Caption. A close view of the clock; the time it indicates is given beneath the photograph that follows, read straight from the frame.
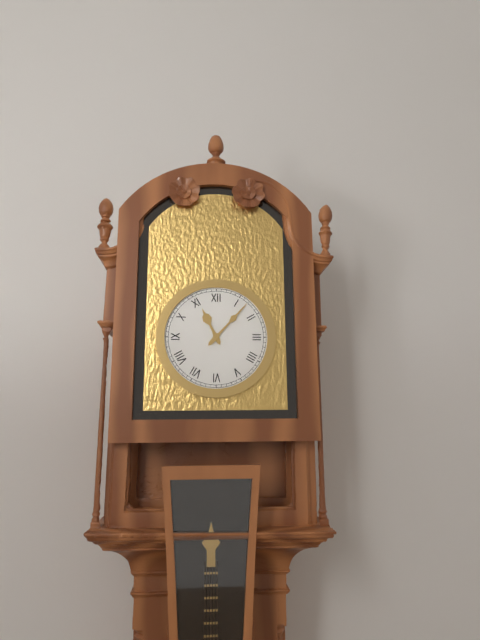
11:07
